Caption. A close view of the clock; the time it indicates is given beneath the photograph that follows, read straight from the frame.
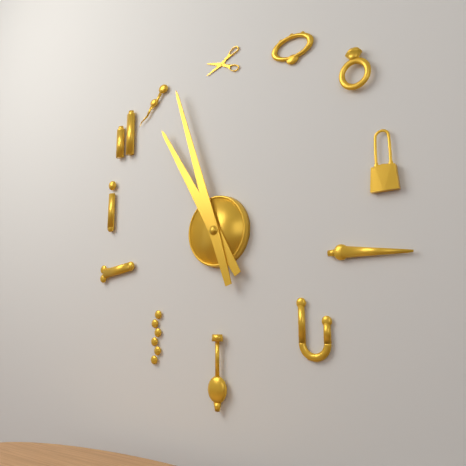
10:57
